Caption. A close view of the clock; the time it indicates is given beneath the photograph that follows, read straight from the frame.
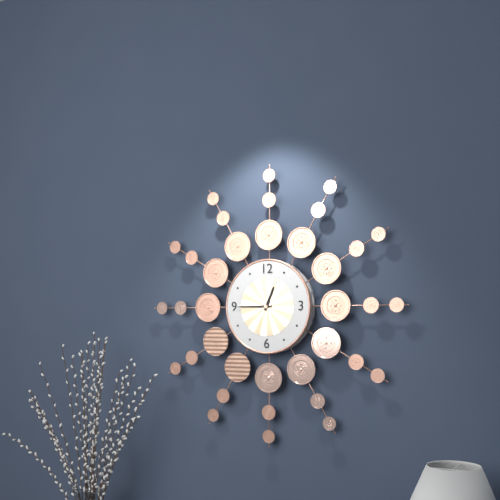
12:45
